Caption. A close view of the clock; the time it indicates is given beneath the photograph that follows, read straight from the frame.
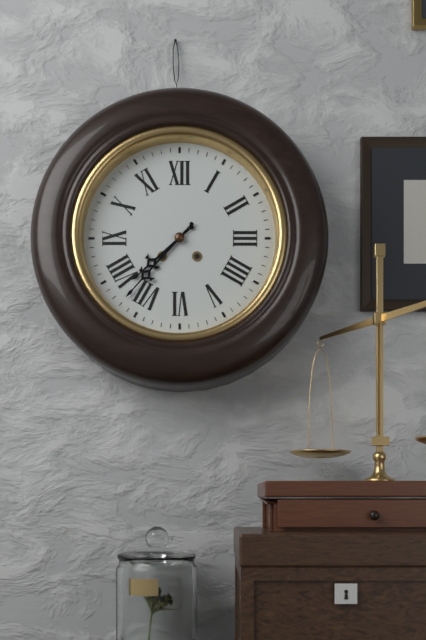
7:37
